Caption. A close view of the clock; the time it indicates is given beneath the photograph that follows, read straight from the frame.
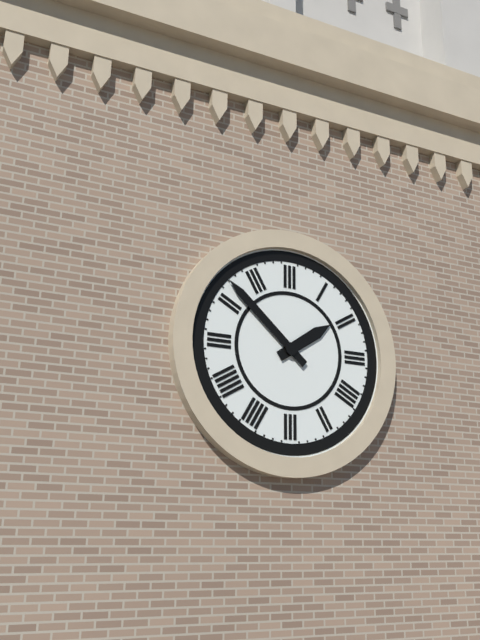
1:52
